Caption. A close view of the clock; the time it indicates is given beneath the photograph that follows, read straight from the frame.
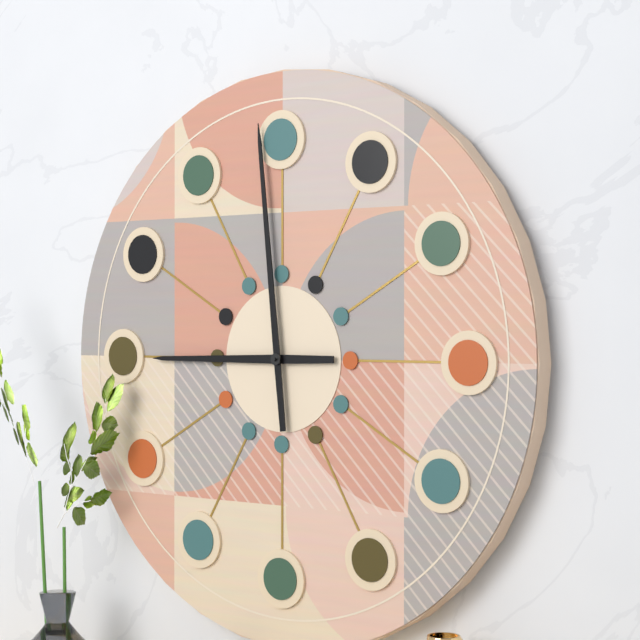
8:59
